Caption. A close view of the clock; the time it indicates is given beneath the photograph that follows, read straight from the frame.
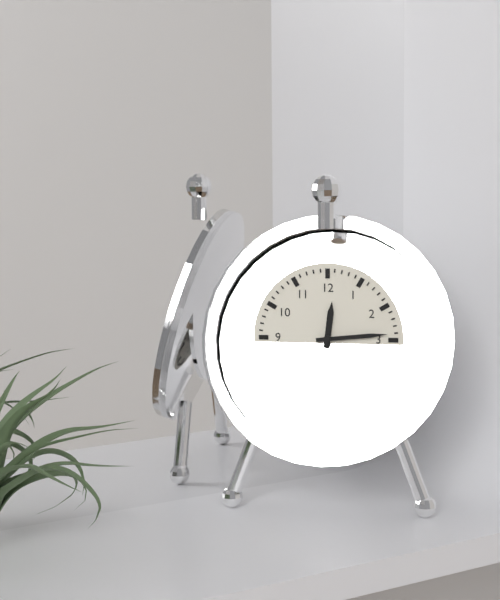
12:14
